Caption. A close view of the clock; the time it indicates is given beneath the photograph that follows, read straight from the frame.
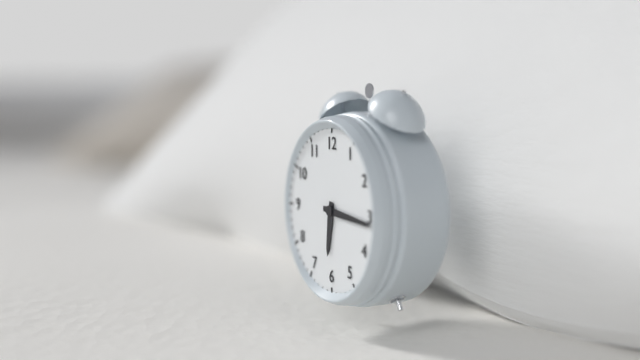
6:16
